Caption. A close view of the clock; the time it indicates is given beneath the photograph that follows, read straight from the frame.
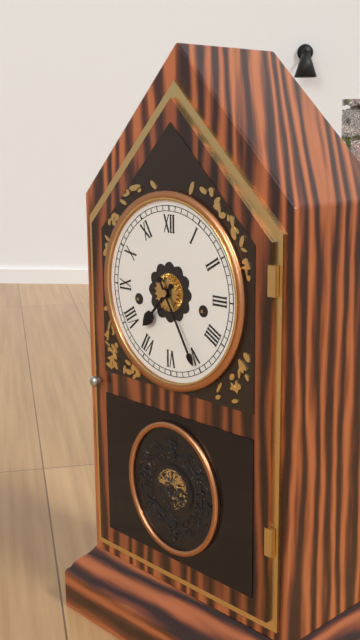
7:25
